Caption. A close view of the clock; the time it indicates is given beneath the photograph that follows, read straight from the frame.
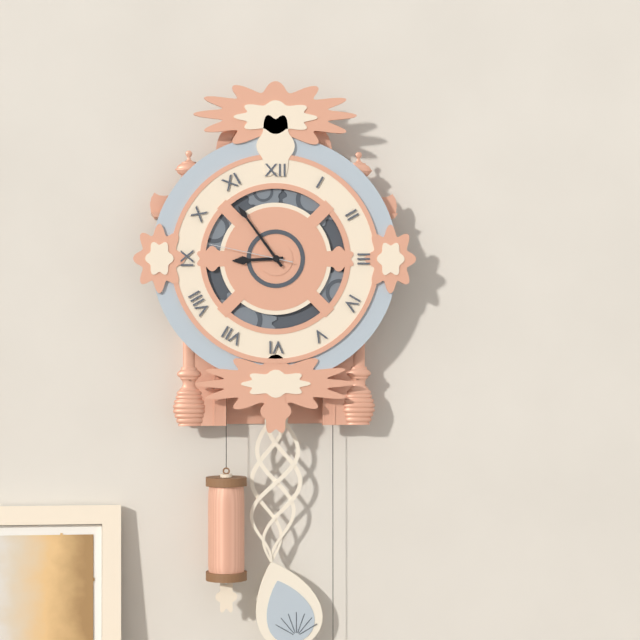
8:54:47
